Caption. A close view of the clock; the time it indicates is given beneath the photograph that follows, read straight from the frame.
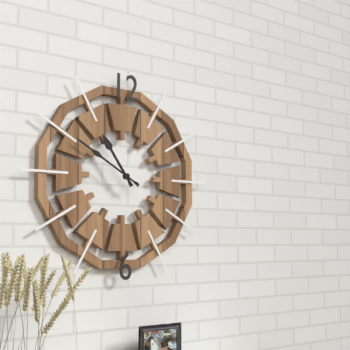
10:50
